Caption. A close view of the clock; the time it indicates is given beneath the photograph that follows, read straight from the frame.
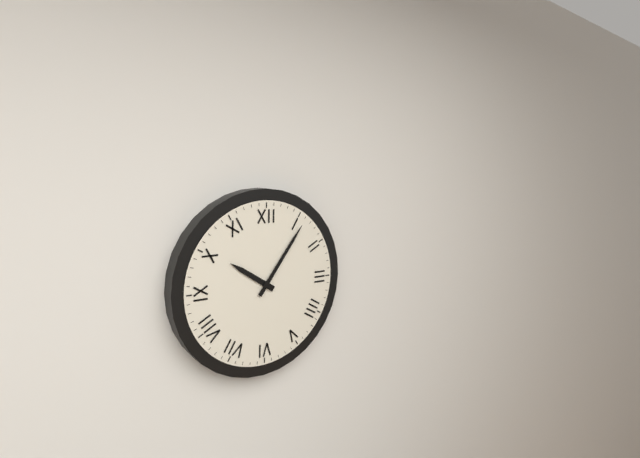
10:06
